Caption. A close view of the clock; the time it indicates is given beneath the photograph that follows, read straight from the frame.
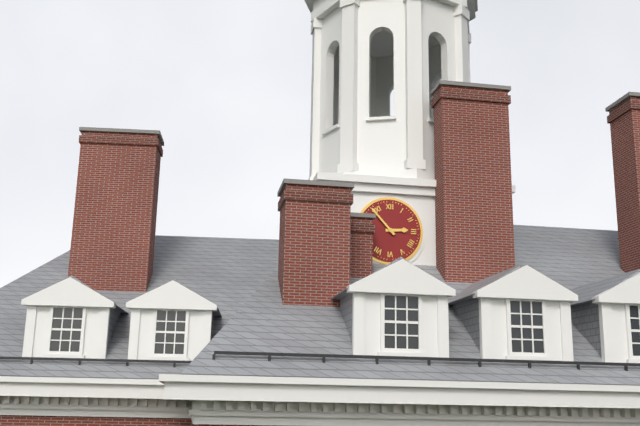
2:53
